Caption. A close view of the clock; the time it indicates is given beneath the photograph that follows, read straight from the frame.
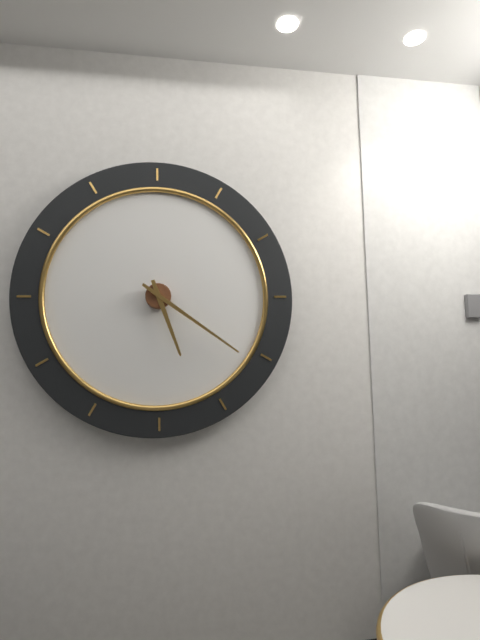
5:21
